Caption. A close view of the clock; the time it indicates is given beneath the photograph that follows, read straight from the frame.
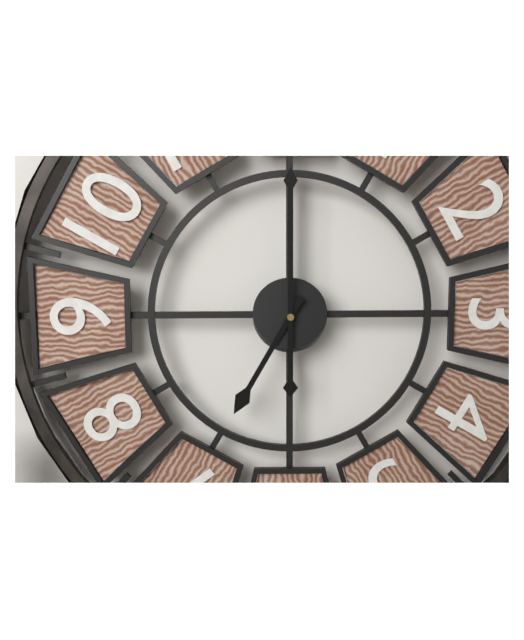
7:00
